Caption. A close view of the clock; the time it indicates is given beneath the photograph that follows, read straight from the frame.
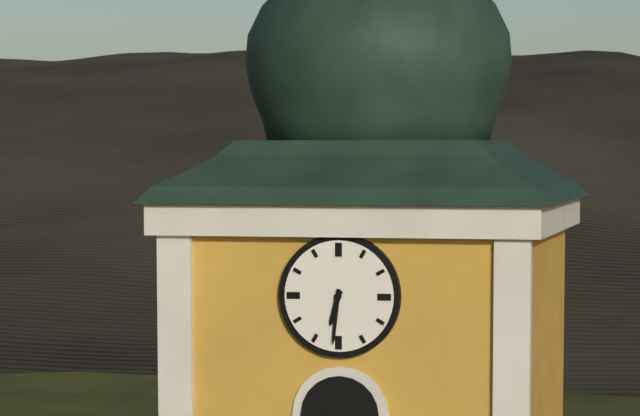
6:31
